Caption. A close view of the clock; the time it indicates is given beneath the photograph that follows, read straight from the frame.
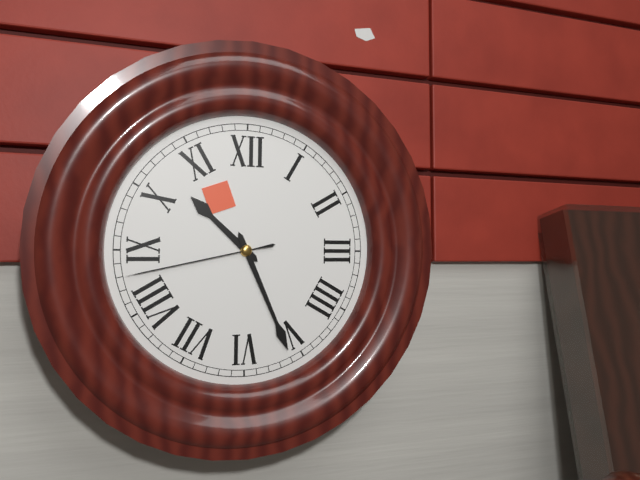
10:26:43
